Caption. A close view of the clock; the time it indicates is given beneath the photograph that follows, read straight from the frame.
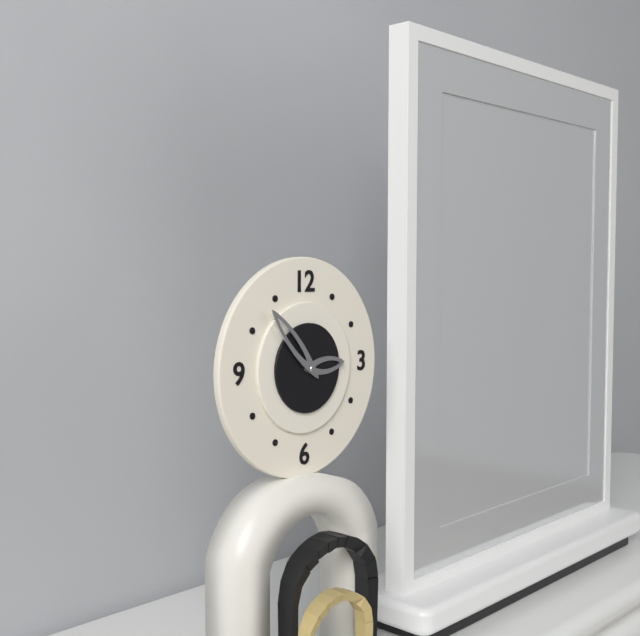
2:53
